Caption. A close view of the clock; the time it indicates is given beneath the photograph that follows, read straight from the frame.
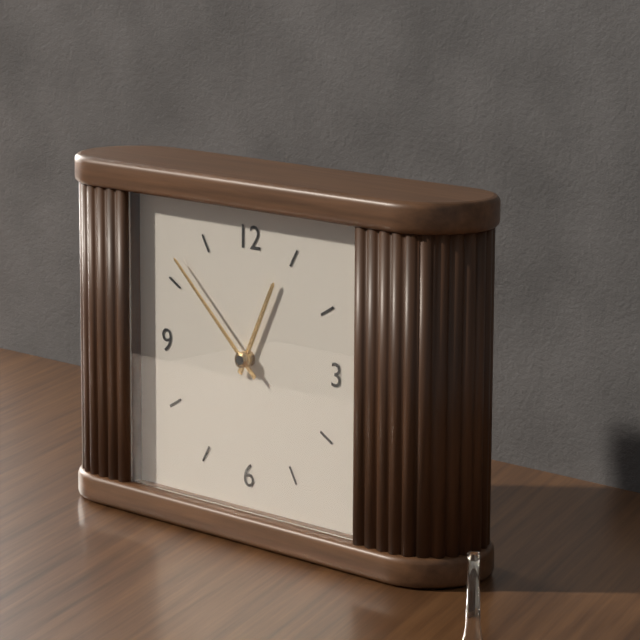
12:52
